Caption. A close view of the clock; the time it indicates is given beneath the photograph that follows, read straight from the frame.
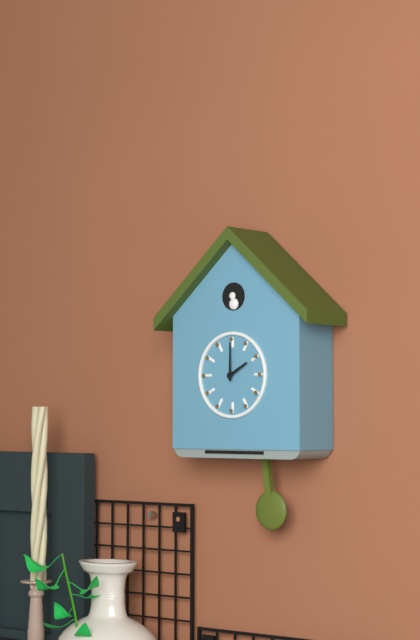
2:00
